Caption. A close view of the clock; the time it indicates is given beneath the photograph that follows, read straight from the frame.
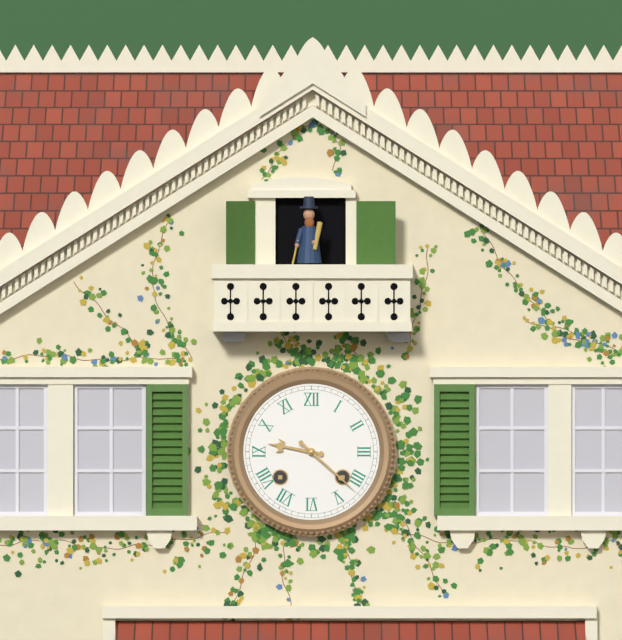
9:22
